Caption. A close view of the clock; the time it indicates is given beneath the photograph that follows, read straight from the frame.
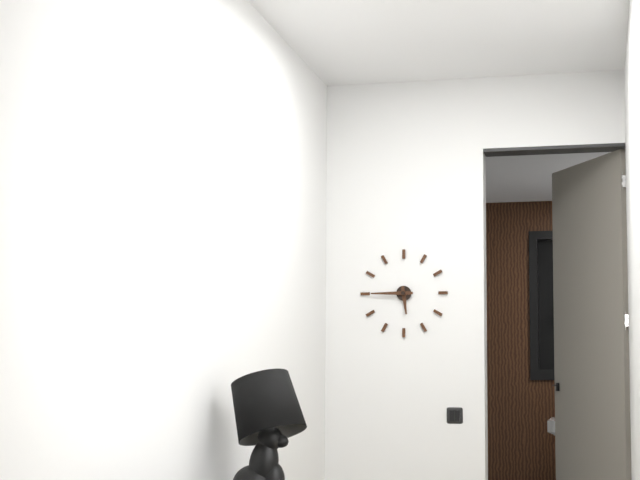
5:45
